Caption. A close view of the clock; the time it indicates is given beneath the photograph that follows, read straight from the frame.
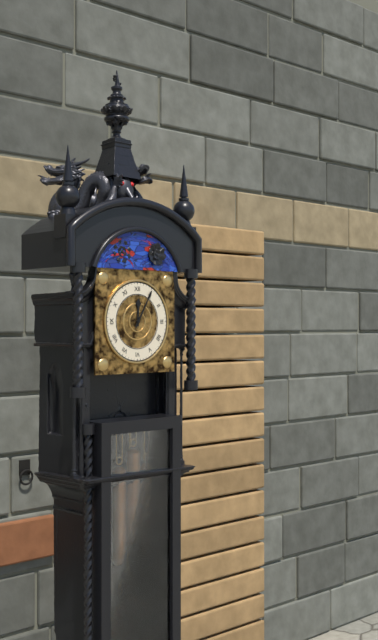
12:05
